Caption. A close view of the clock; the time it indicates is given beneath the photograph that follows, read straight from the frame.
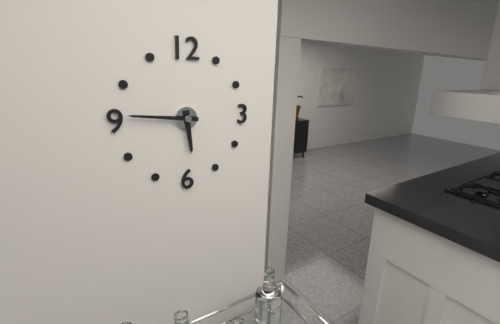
5:46
